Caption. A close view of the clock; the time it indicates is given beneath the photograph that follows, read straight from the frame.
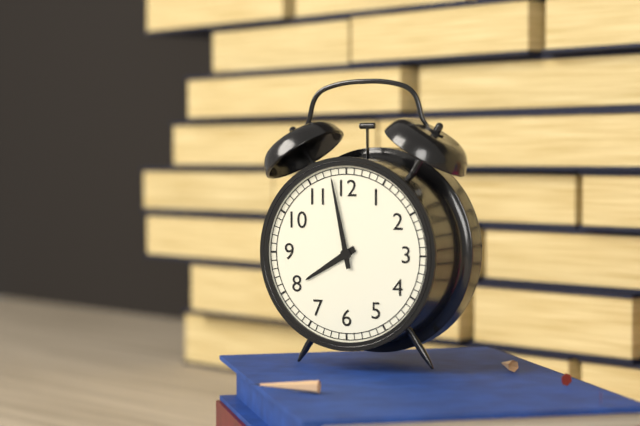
7:58
